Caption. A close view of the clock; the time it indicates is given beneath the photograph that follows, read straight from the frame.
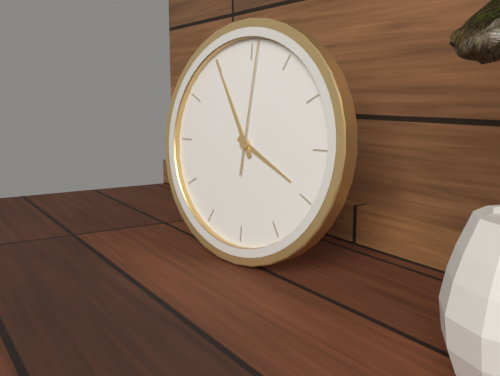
3:55:01
